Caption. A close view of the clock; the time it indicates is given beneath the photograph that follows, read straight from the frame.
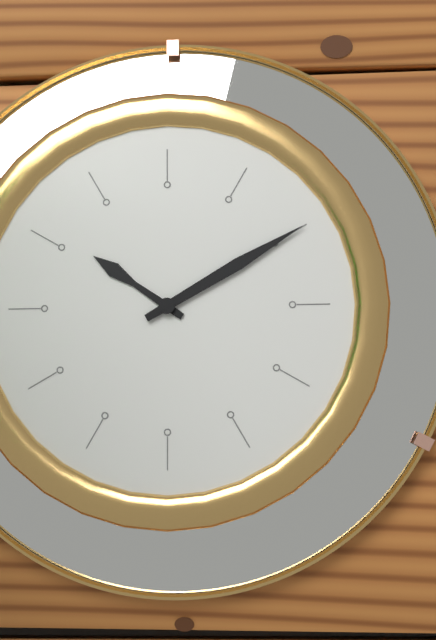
10:10
